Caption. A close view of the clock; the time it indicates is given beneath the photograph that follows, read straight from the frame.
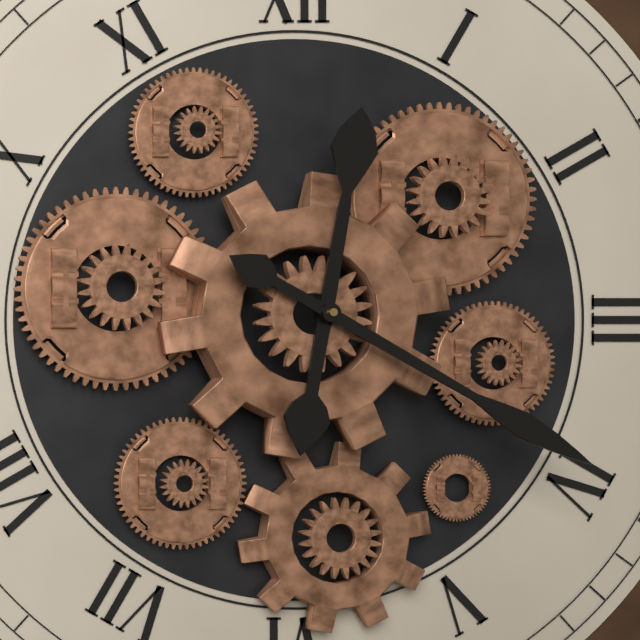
12:20
